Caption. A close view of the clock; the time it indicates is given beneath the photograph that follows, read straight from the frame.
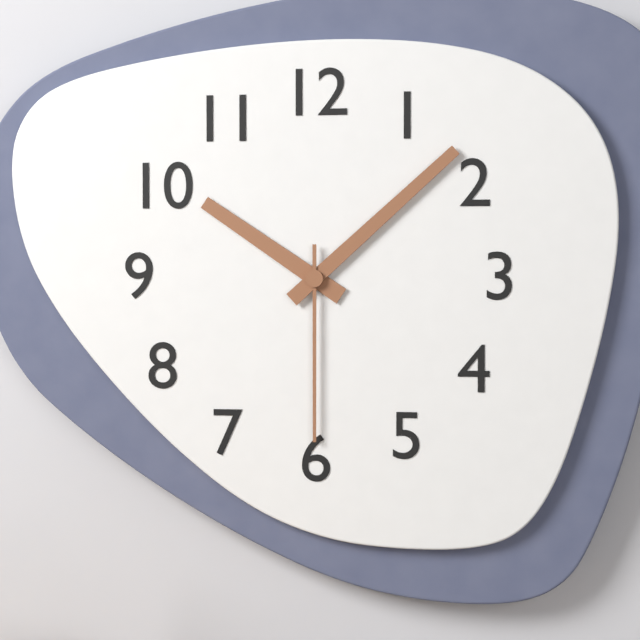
10:08:30
